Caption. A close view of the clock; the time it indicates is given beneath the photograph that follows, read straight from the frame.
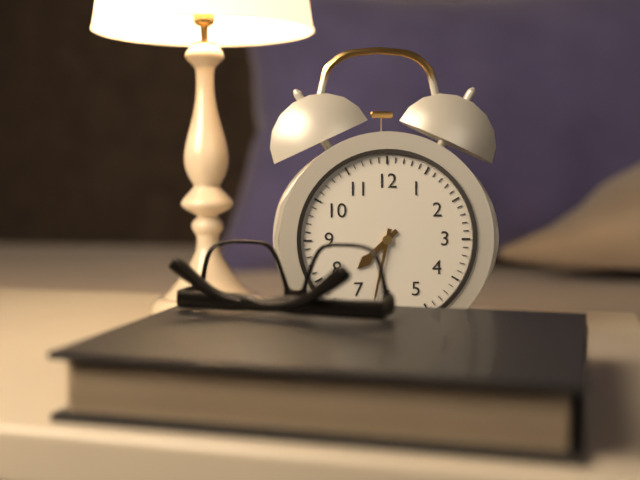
7:32
